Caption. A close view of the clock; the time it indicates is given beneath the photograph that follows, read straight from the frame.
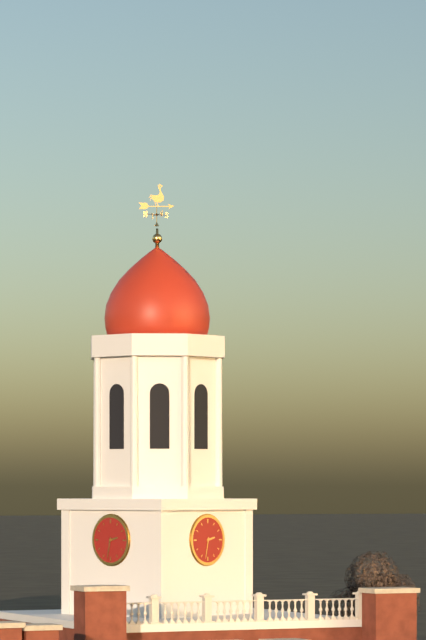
2:32
